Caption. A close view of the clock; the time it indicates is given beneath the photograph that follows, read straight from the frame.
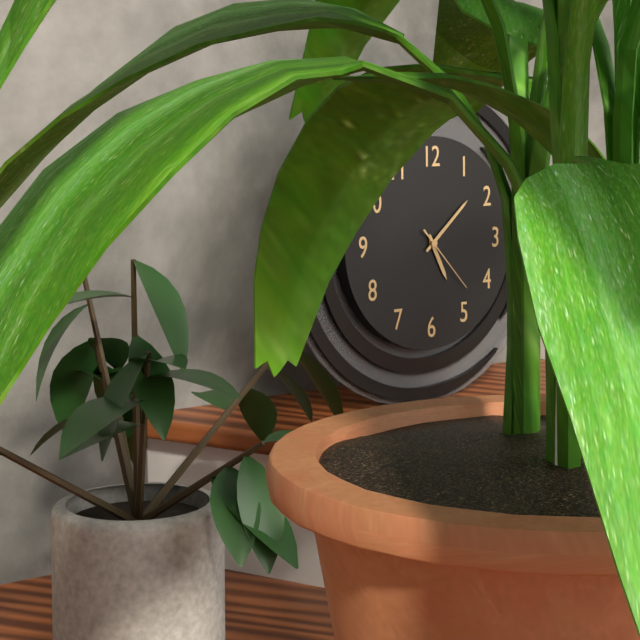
5:08:23
